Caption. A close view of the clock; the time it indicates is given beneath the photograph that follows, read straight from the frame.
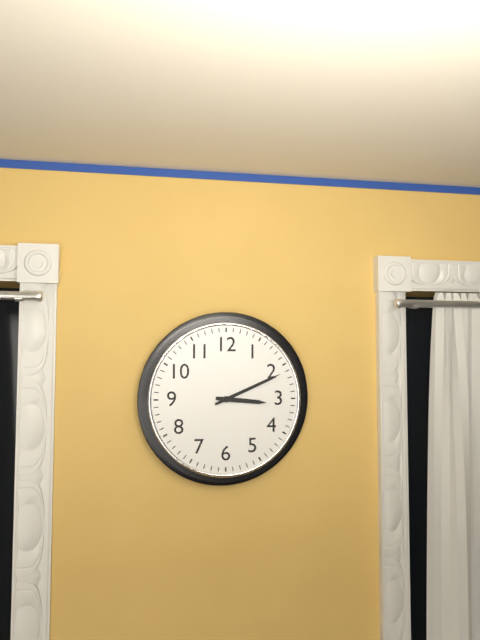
3:11
